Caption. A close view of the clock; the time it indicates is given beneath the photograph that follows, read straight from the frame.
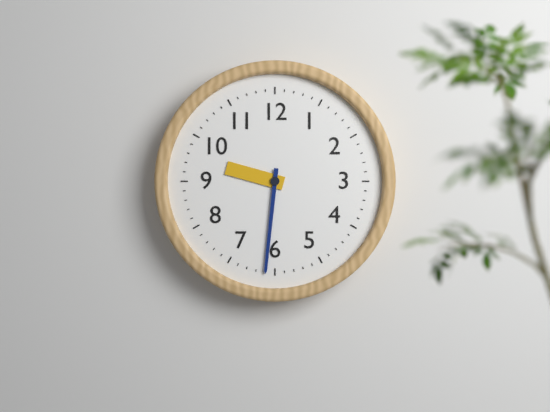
9:31
